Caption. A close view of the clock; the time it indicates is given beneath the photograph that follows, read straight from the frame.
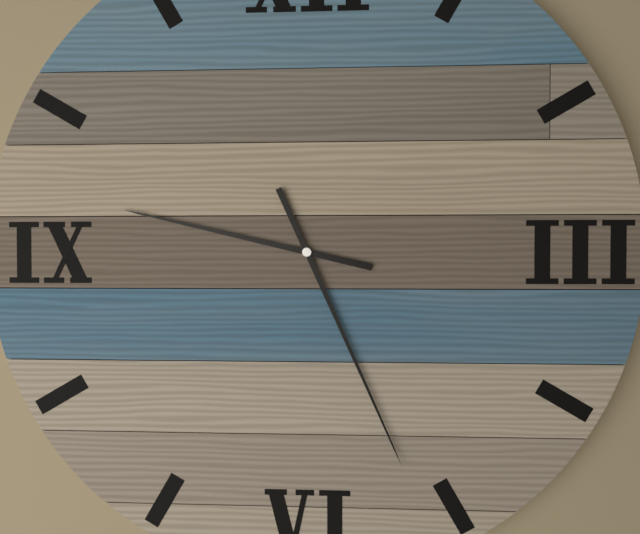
9:26
